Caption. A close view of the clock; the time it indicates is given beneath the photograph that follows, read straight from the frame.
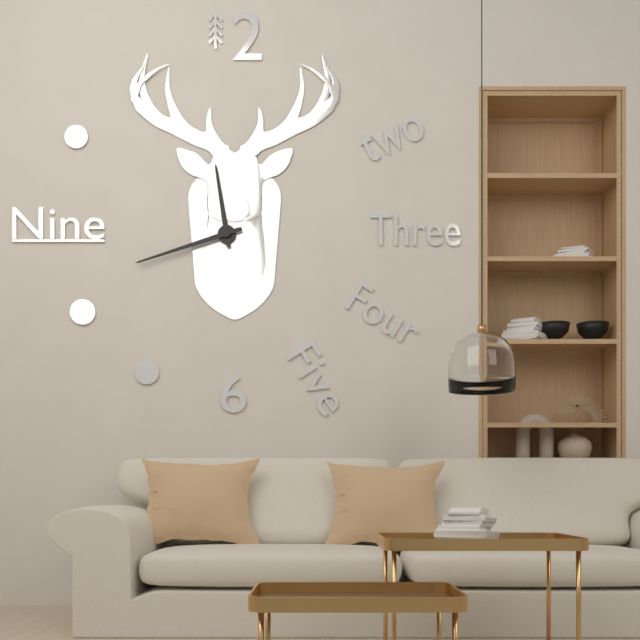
11:42
